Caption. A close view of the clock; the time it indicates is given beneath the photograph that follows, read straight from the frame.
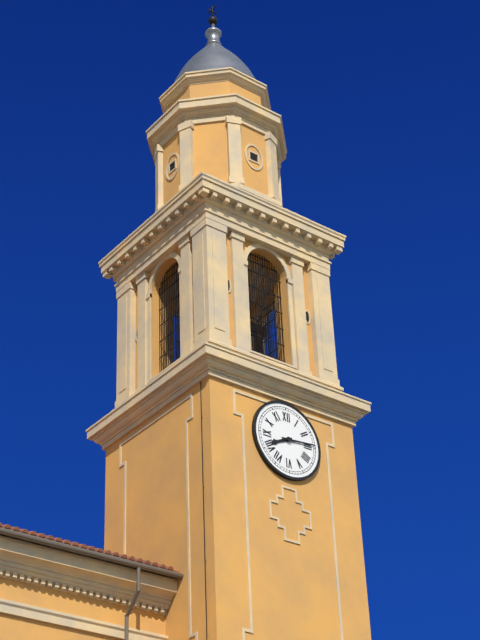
8:14
